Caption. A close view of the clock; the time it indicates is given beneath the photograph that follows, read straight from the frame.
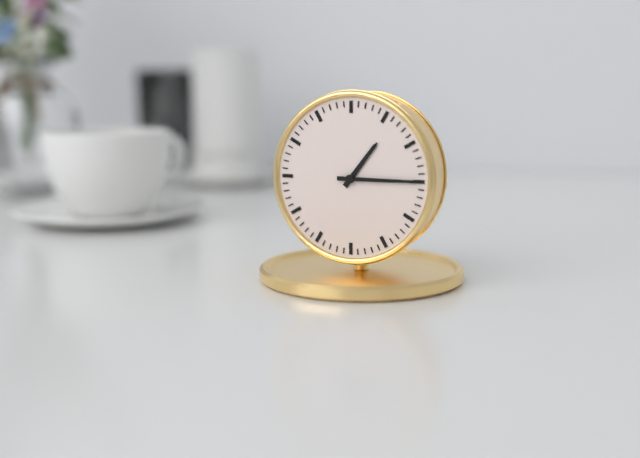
1:15
